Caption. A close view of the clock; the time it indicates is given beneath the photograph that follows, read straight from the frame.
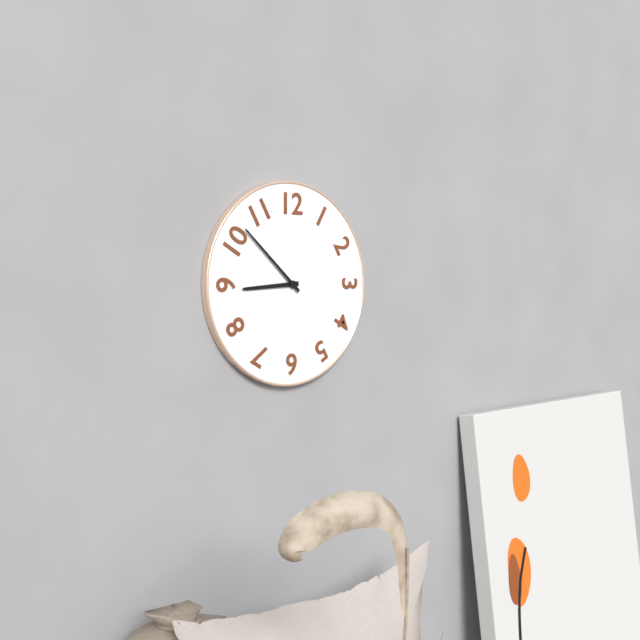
8:52
